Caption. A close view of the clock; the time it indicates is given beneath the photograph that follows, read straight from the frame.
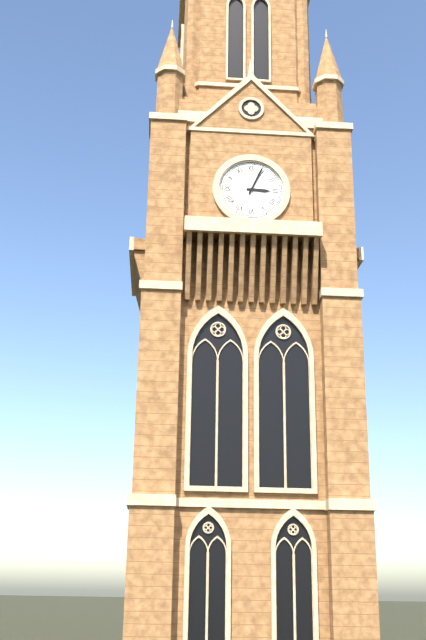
3:04
